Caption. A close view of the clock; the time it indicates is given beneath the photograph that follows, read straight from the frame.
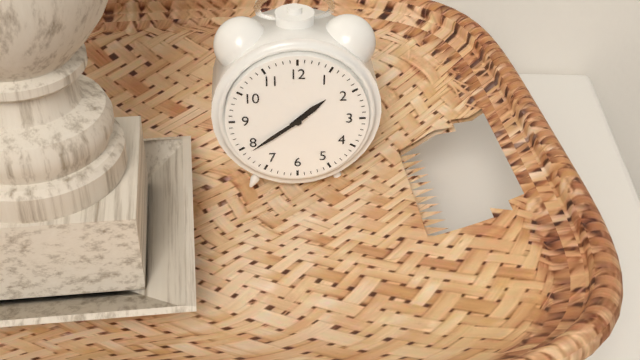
1:39
